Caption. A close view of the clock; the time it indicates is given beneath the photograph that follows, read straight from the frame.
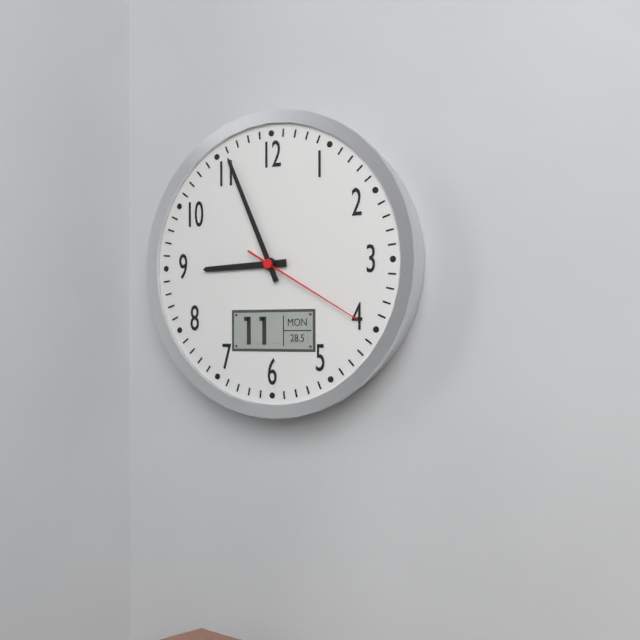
8:56:20
